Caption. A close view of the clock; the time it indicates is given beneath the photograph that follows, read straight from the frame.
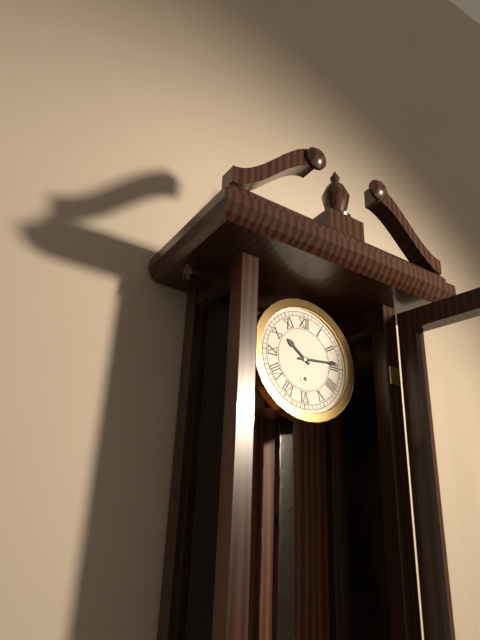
10:14
